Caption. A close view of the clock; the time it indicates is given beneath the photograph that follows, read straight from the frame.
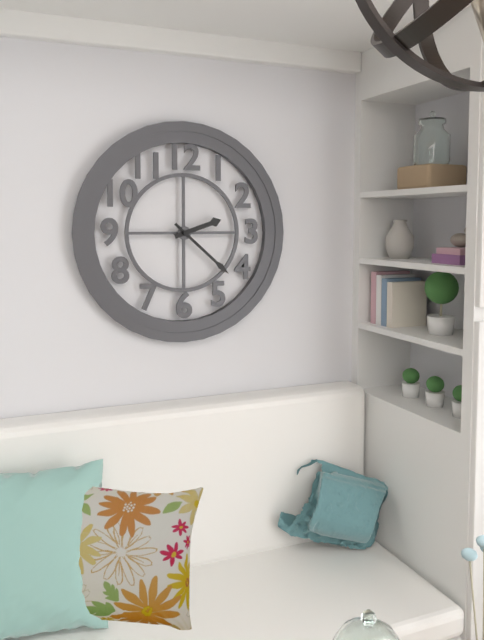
2:22
